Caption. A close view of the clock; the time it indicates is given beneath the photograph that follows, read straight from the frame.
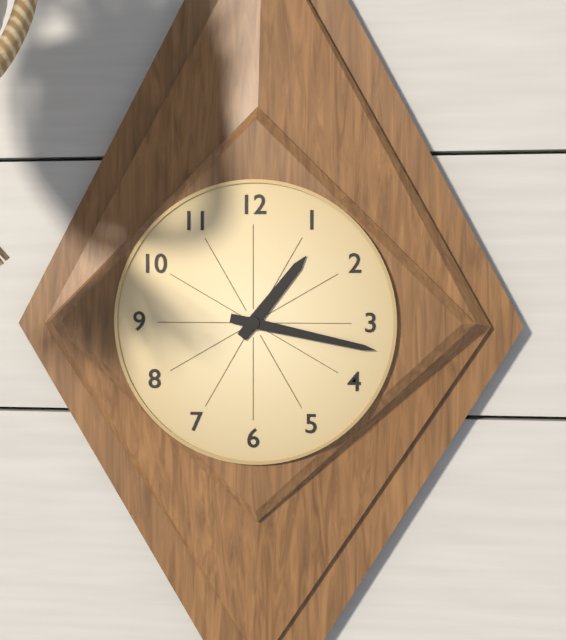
1:17
